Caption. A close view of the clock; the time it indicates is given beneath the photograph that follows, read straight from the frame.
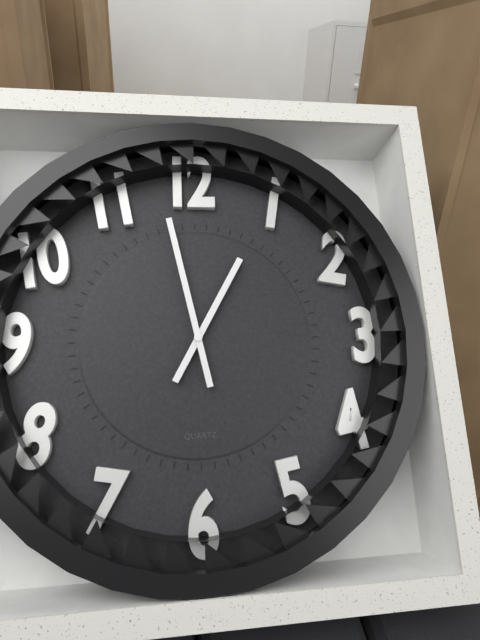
12:58
